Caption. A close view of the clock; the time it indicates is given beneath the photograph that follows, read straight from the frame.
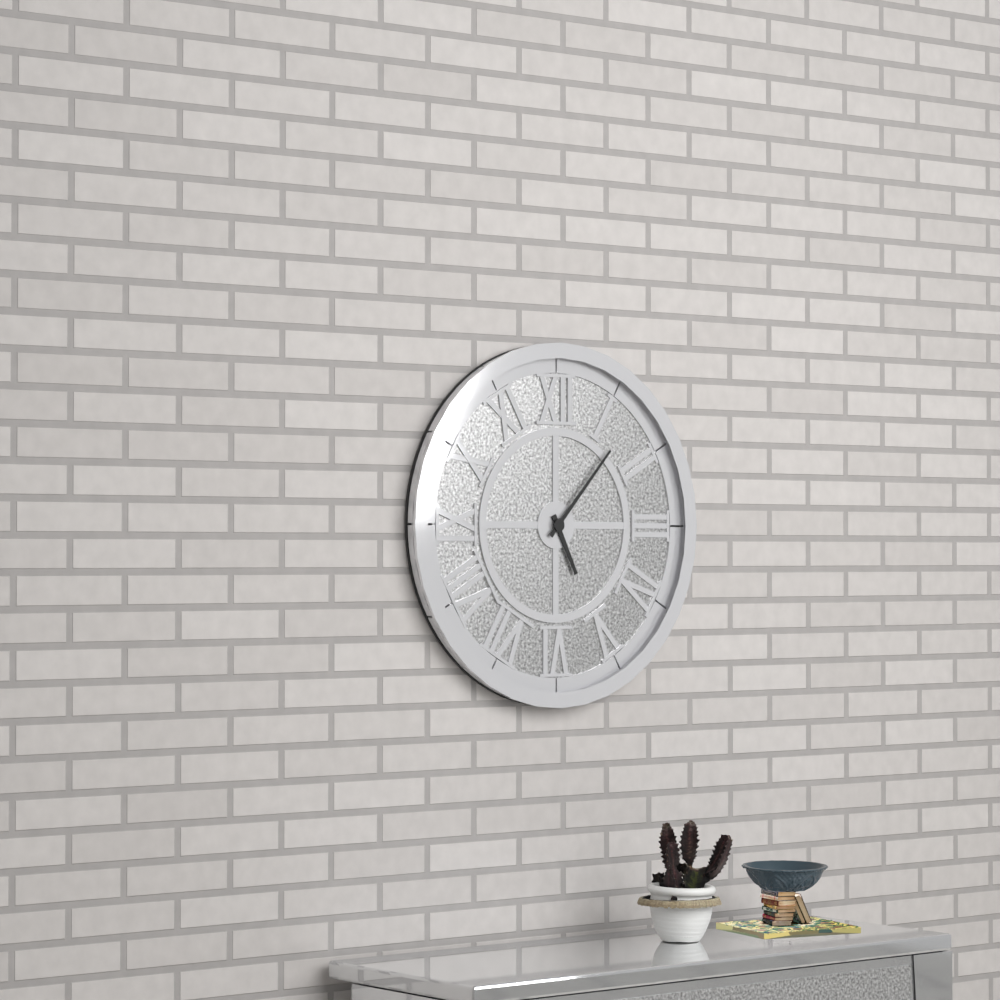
5:07
